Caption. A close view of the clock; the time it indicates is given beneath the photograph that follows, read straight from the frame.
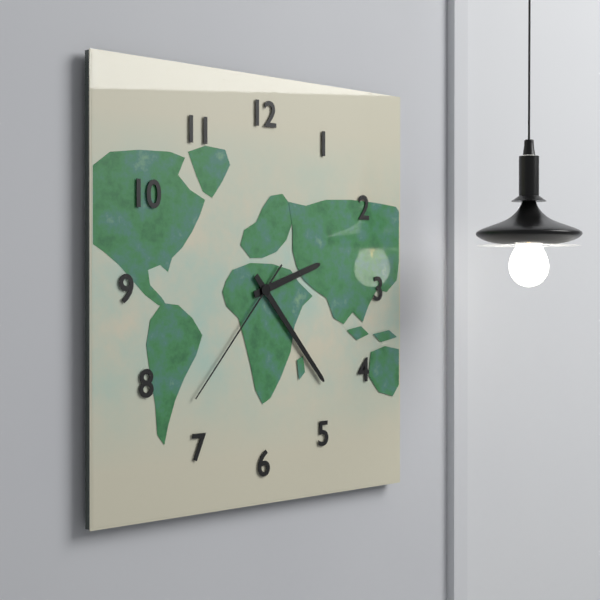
2:23:37
